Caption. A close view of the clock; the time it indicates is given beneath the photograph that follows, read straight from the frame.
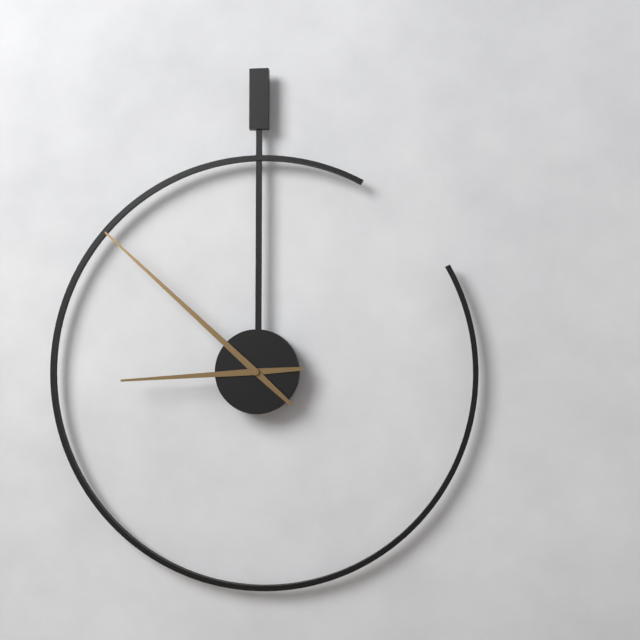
8:52
